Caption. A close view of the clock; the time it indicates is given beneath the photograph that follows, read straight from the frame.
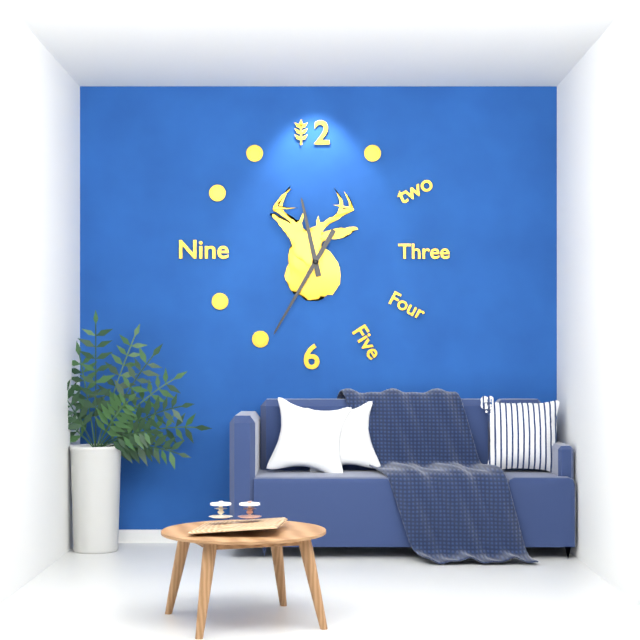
11:35
